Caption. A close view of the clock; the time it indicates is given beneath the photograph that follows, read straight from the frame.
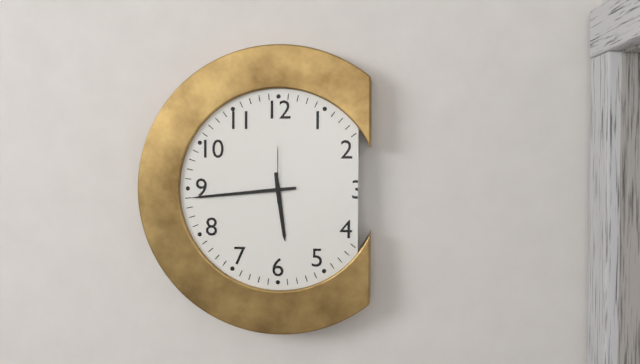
5:44:00
